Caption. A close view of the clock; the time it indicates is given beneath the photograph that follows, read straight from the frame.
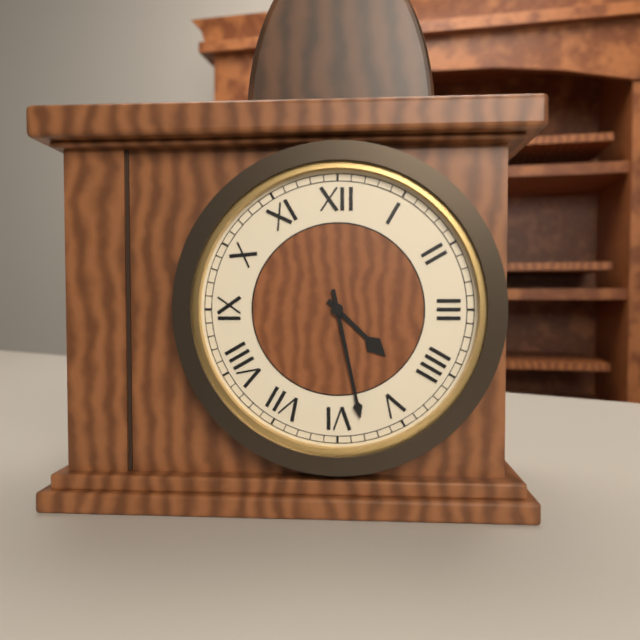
4:28
